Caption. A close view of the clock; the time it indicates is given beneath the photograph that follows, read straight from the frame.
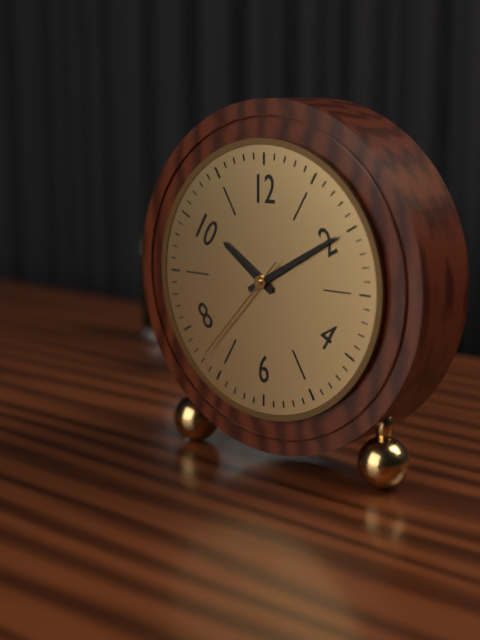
10:10:37
